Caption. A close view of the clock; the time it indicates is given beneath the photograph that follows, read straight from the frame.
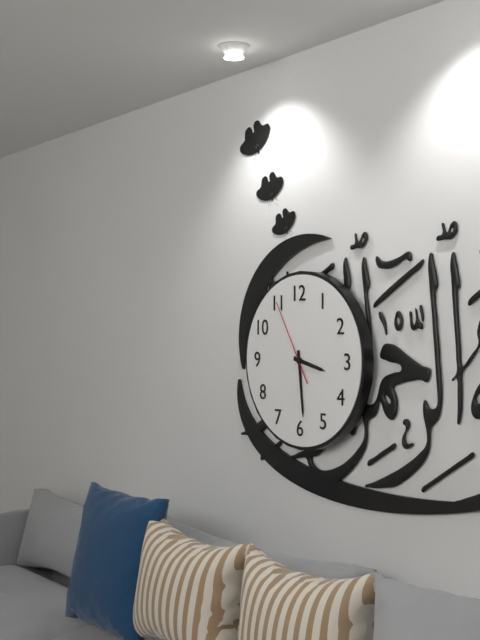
3:29:55
